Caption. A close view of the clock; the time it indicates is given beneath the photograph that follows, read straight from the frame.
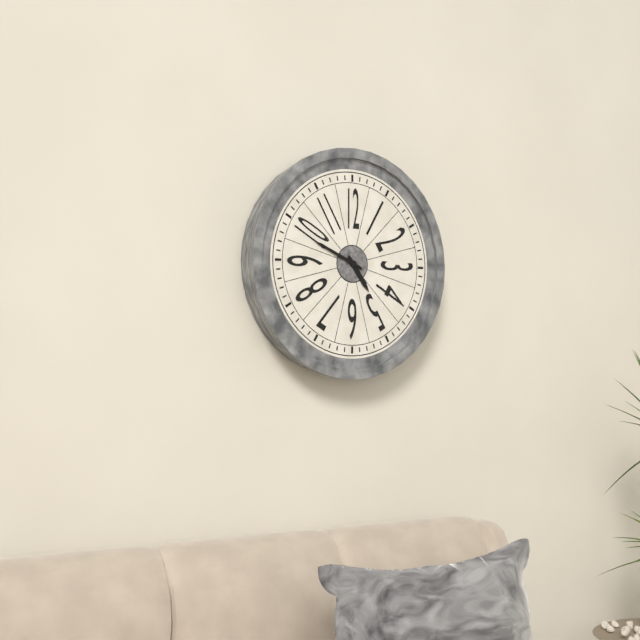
4:49
